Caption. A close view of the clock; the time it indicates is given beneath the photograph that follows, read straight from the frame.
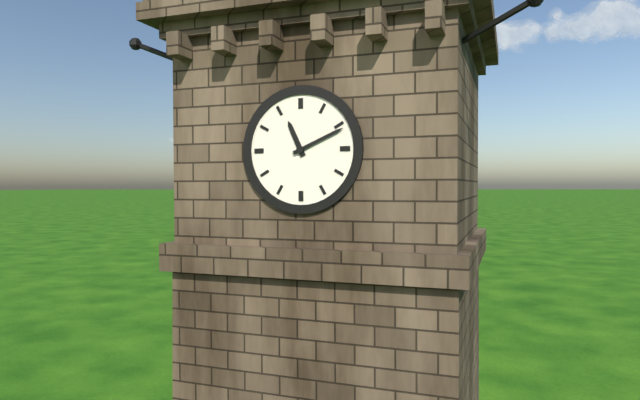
11:11
